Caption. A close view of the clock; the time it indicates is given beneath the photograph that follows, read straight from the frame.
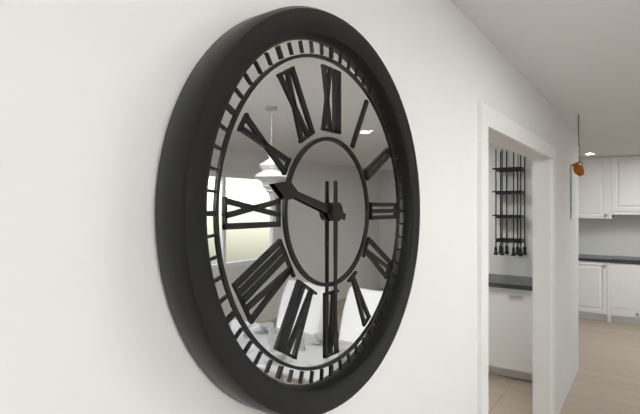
9:30
